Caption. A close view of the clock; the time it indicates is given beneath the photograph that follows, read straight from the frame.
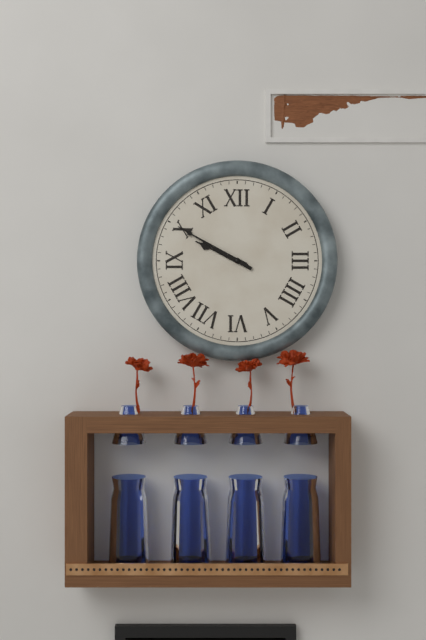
9:50
